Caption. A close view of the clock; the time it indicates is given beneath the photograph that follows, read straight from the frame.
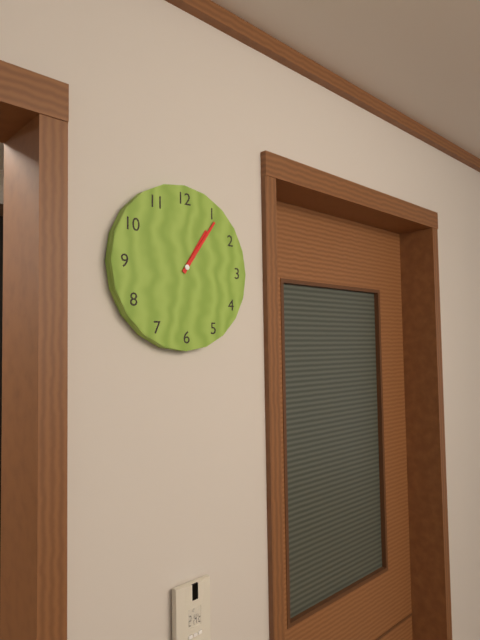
1:06
